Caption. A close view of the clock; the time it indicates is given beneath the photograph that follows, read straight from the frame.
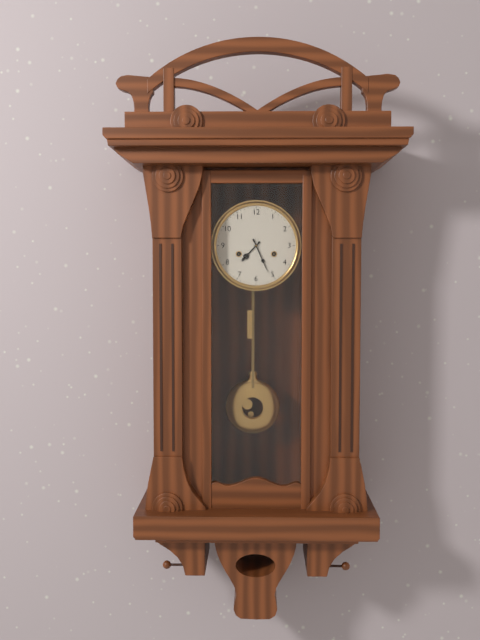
7:26
